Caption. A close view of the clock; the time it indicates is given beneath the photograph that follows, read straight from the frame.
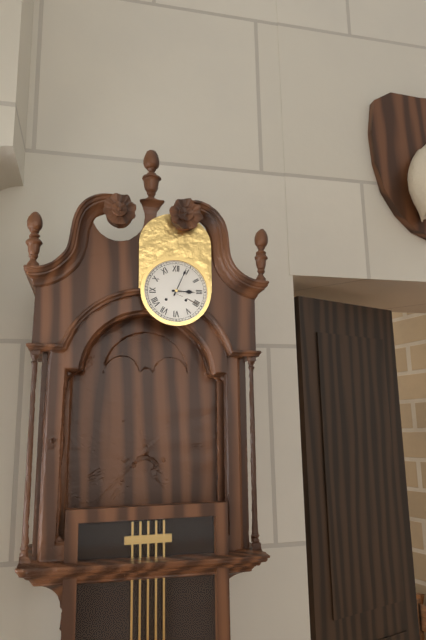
3:04
